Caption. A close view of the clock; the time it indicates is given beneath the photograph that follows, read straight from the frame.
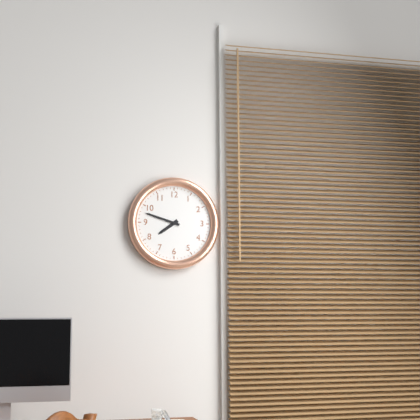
7:48
